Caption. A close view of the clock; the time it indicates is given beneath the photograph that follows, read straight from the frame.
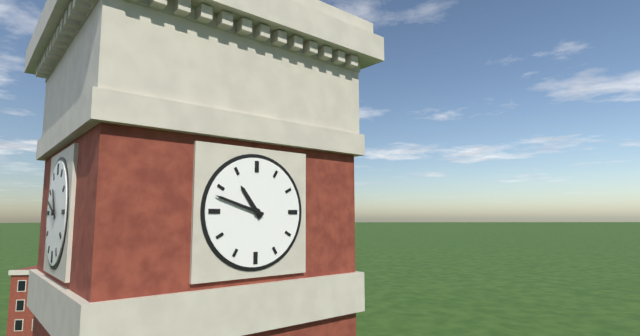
10:48
